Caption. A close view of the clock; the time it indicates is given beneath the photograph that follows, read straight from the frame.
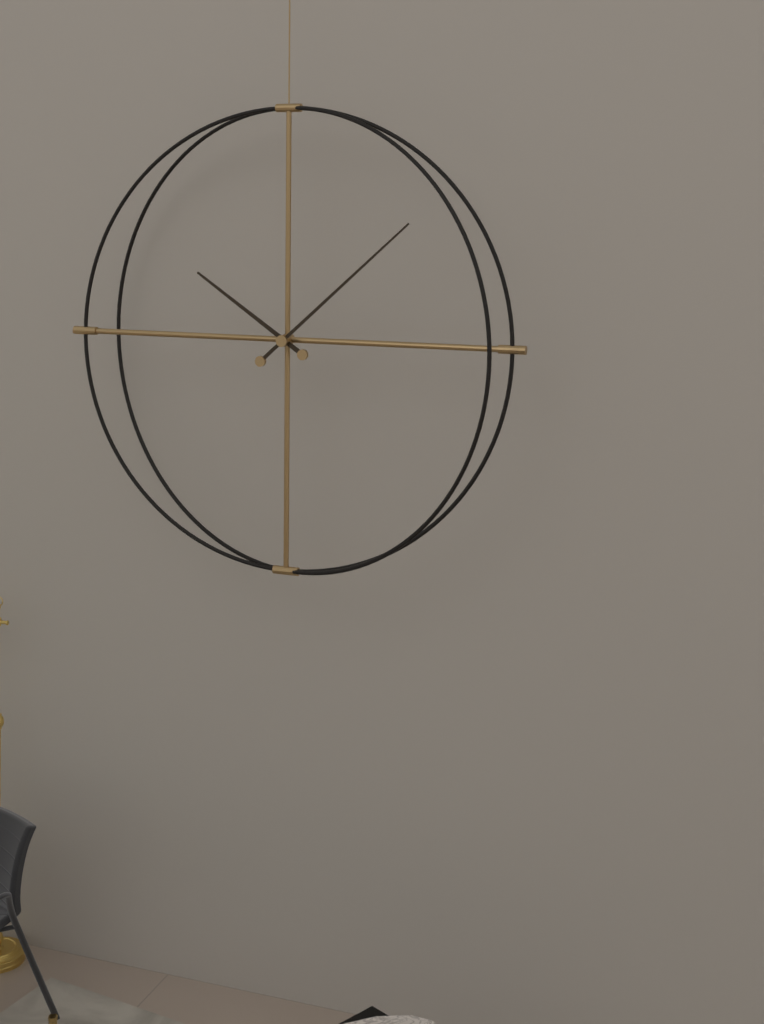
10:08
